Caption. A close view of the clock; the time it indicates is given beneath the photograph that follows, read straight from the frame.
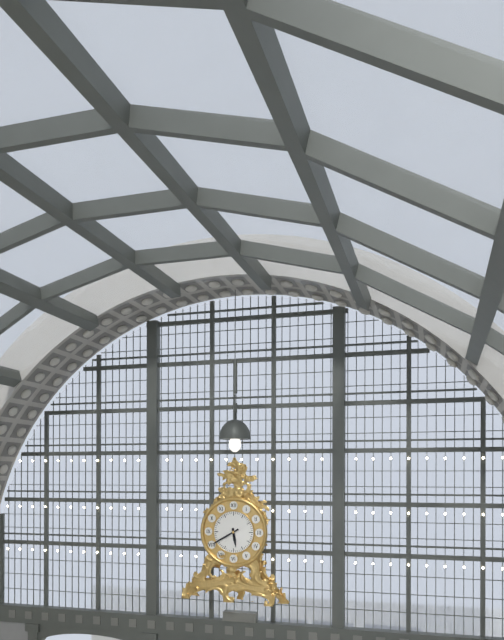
5:40
